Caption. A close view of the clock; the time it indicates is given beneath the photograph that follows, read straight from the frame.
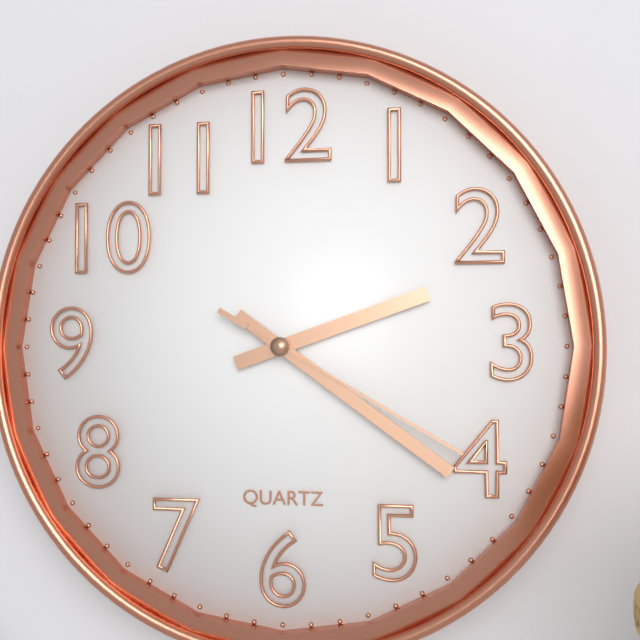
2:21:20
